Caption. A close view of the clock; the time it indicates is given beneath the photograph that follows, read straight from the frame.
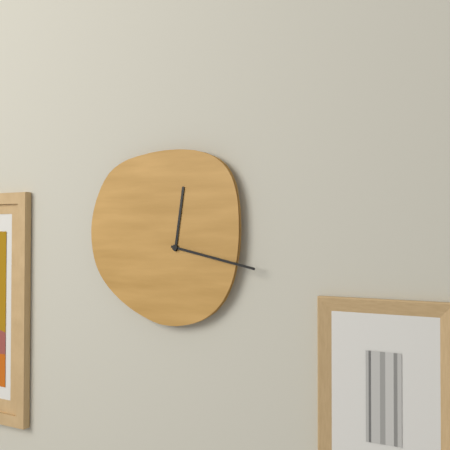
12:17
